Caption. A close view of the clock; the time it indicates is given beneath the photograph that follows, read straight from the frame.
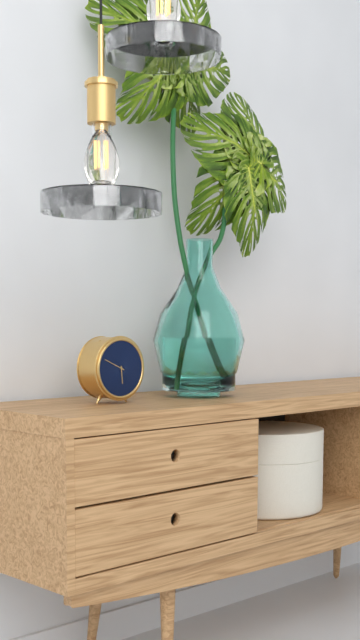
5:49
